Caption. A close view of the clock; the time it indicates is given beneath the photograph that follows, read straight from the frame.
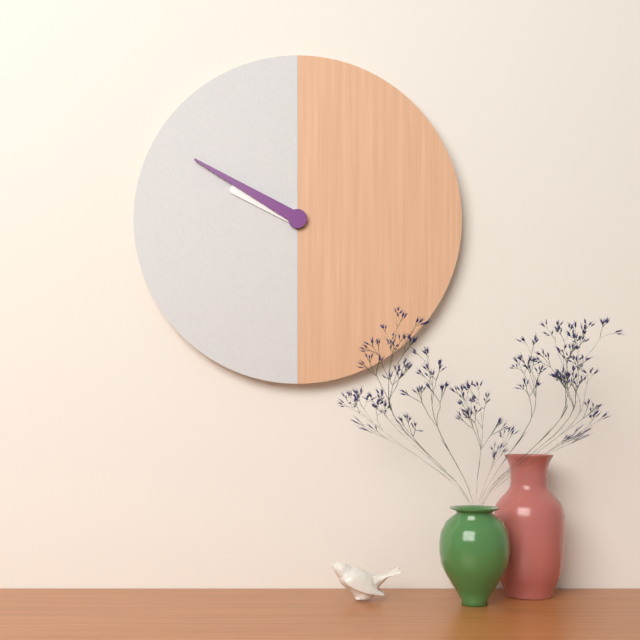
9:50
